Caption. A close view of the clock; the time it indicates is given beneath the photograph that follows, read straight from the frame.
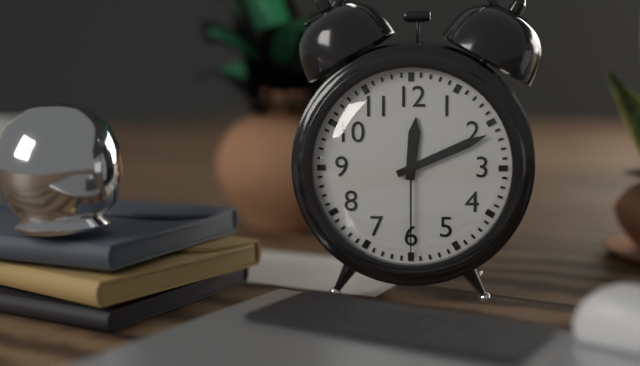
12:11:30
